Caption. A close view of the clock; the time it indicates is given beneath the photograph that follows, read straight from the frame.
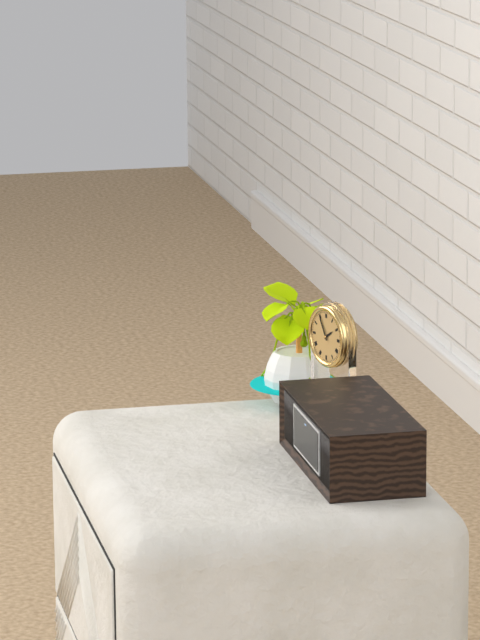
1:55
